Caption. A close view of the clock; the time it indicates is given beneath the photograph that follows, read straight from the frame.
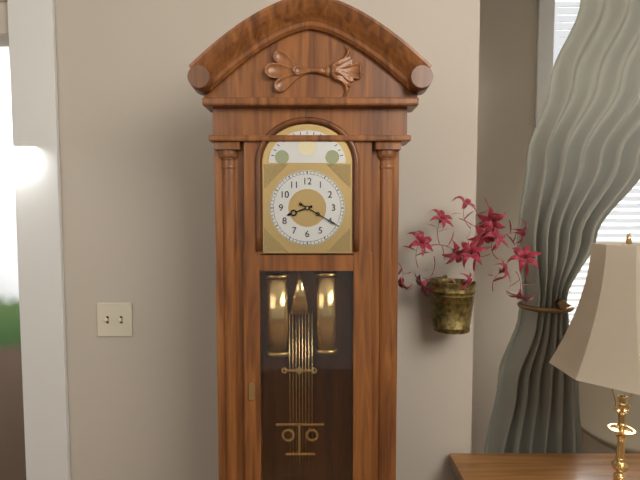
8:20
